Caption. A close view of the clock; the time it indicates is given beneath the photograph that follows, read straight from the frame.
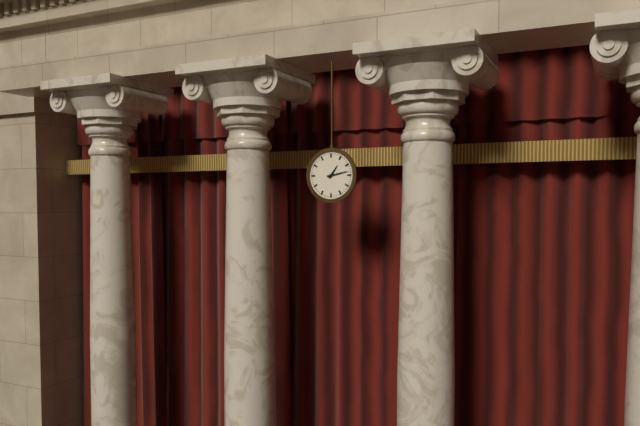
1:13
